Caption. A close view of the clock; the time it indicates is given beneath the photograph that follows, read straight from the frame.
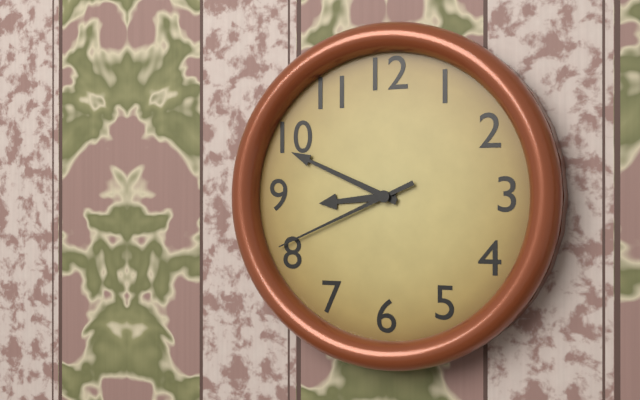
8:49:41
